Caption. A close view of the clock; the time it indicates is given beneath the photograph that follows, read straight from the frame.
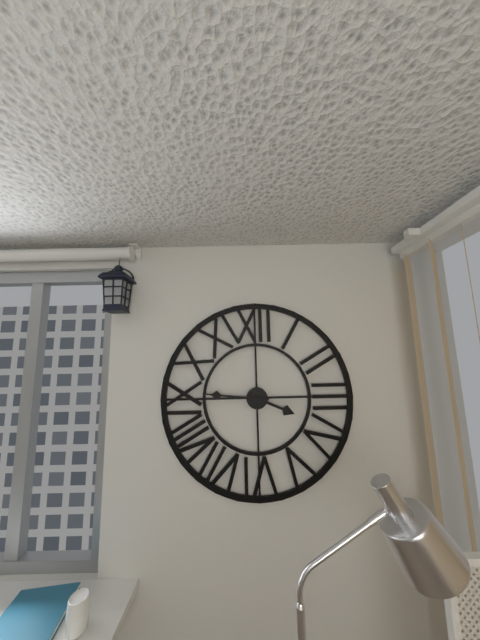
3:46
